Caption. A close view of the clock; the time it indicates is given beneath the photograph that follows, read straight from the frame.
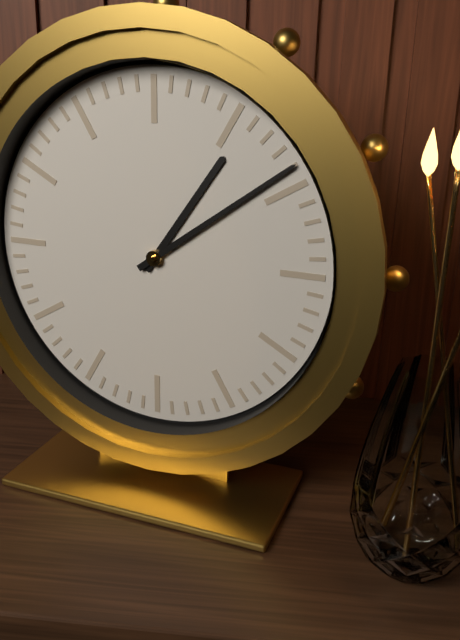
1:09
